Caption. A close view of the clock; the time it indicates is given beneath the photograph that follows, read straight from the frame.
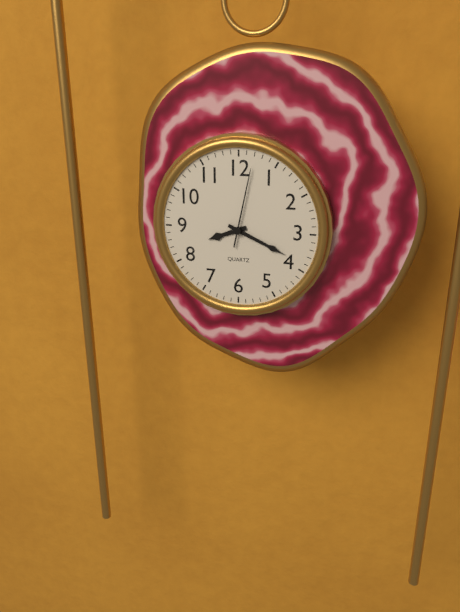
8:19:02
